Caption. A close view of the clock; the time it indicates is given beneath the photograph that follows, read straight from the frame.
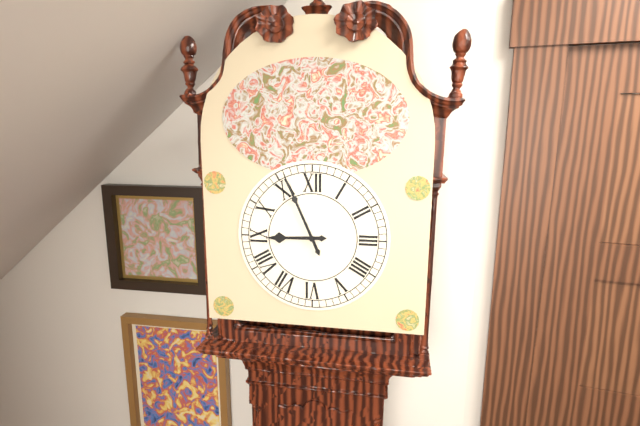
8:56
